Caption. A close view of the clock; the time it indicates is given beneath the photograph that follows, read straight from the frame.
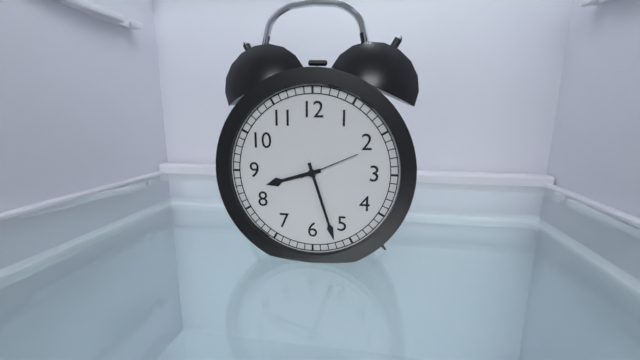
8:27:11
